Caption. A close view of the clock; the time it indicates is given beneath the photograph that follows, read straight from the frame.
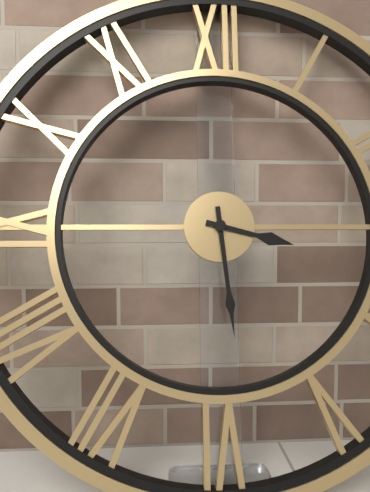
3:29
